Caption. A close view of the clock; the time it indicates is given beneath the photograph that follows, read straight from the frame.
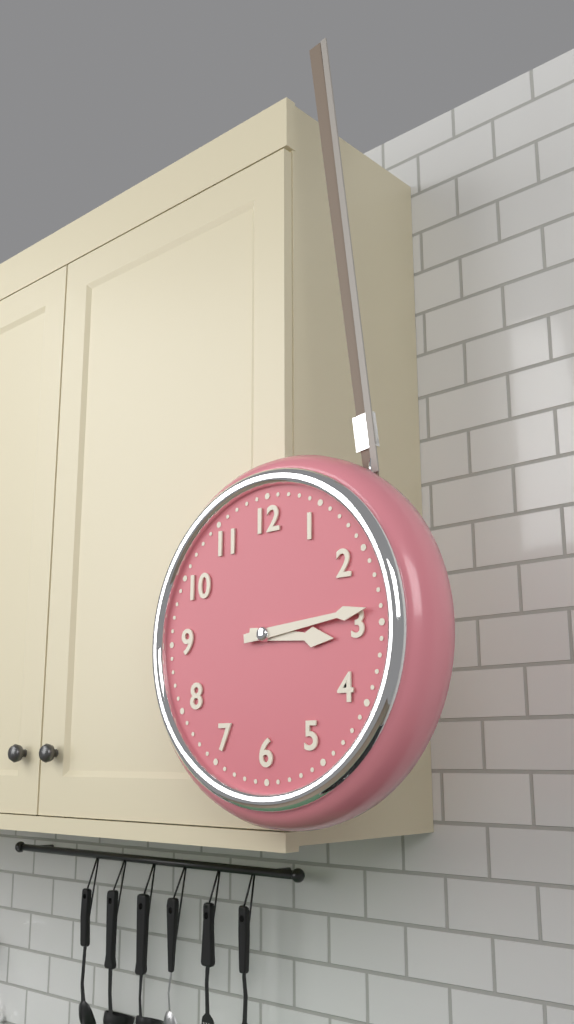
3:14
